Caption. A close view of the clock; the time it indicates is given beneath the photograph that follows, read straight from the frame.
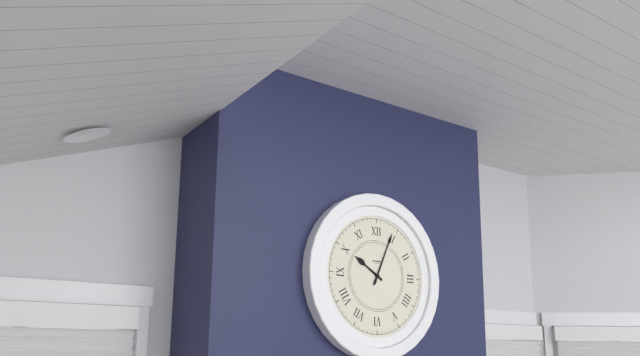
10:04
